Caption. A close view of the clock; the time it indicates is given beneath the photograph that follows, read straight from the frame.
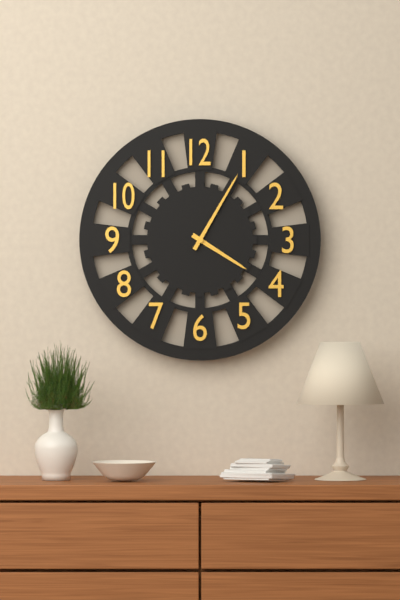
4:05
